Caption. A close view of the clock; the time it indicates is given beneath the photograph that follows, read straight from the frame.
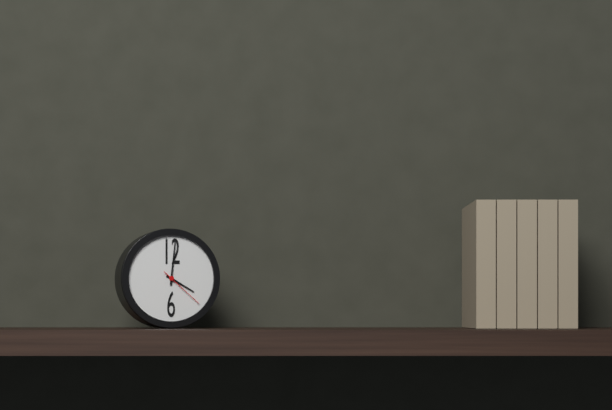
4:01
